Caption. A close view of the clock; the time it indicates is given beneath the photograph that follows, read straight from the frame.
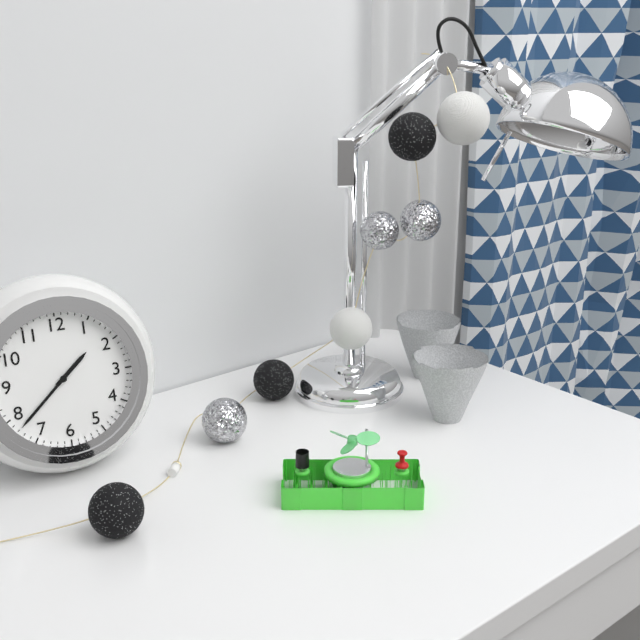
1:38
